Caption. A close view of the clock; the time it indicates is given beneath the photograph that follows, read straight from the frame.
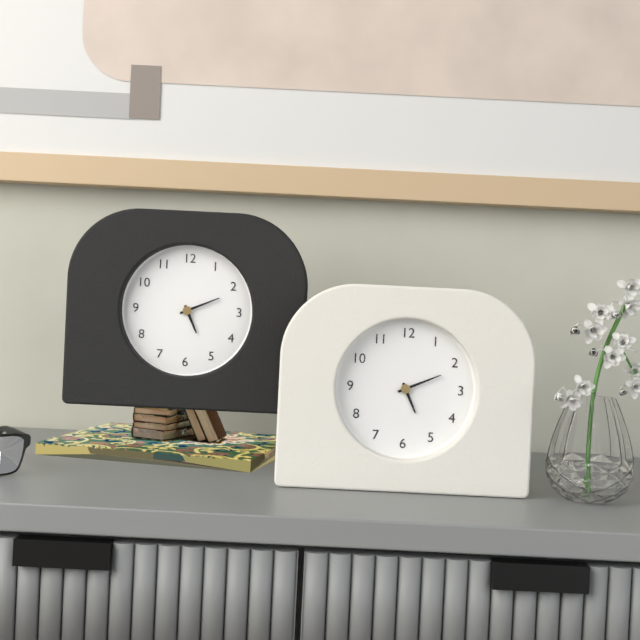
5:11
